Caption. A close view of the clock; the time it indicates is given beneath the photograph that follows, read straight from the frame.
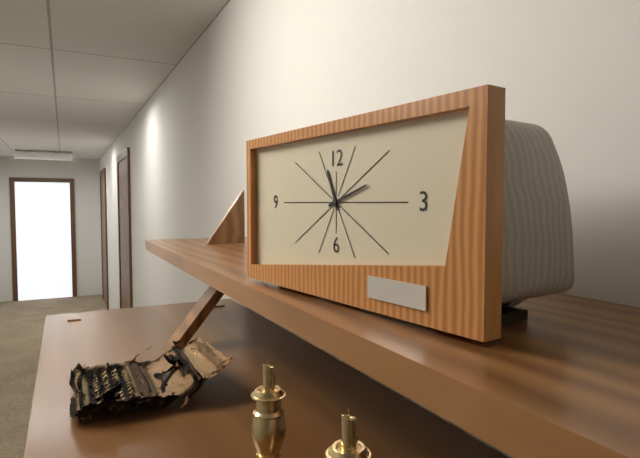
11:12
